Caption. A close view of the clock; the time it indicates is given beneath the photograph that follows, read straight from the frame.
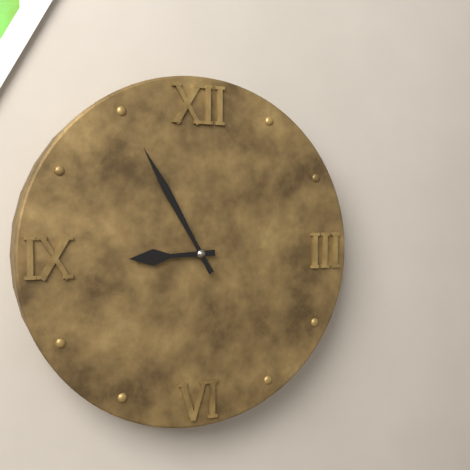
8:55
